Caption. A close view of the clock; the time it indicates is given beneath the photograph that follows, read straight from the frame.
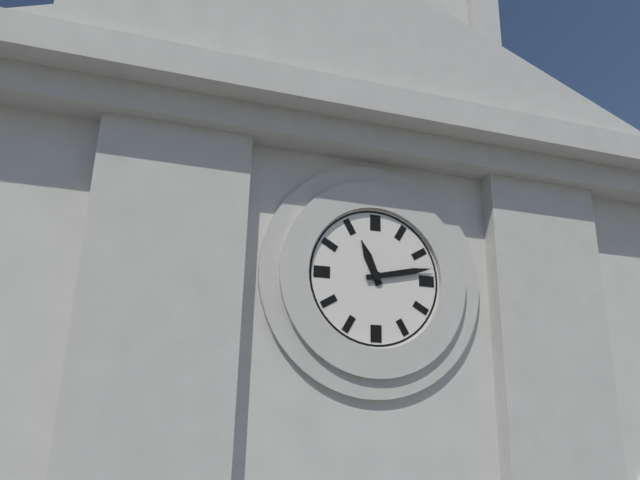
11:13
